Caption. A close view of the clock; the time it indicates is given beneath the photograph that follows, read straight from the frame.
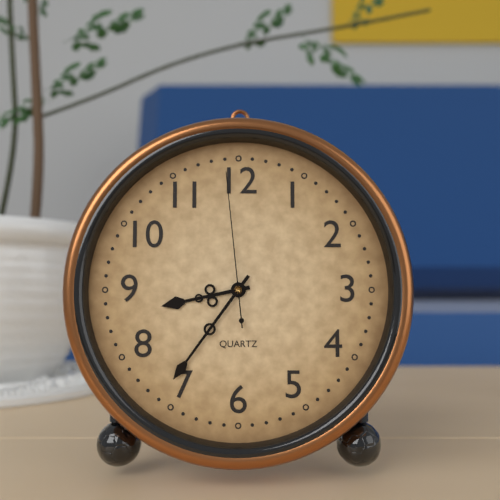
8:36:59
